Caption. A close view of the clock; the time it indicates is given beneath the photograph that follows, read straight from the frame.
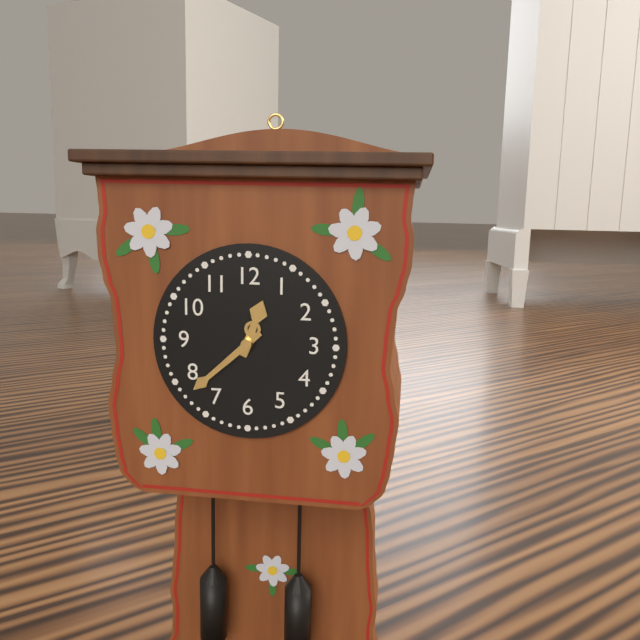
12:38
